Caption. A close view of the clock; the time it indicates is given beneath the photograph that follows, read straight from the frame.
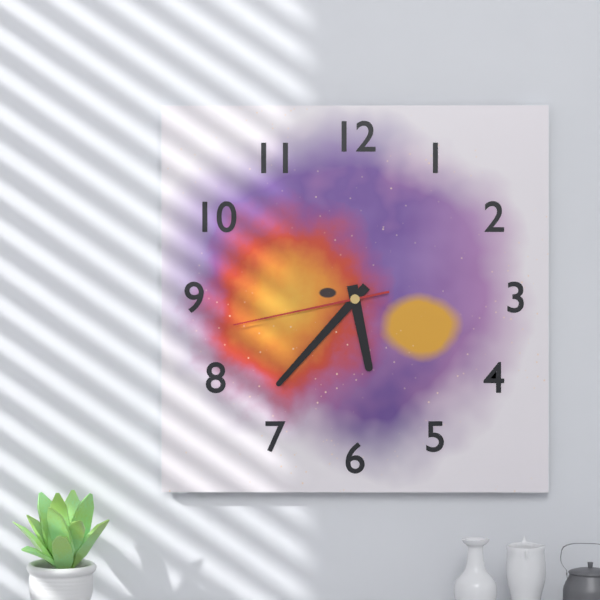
5:37:43
